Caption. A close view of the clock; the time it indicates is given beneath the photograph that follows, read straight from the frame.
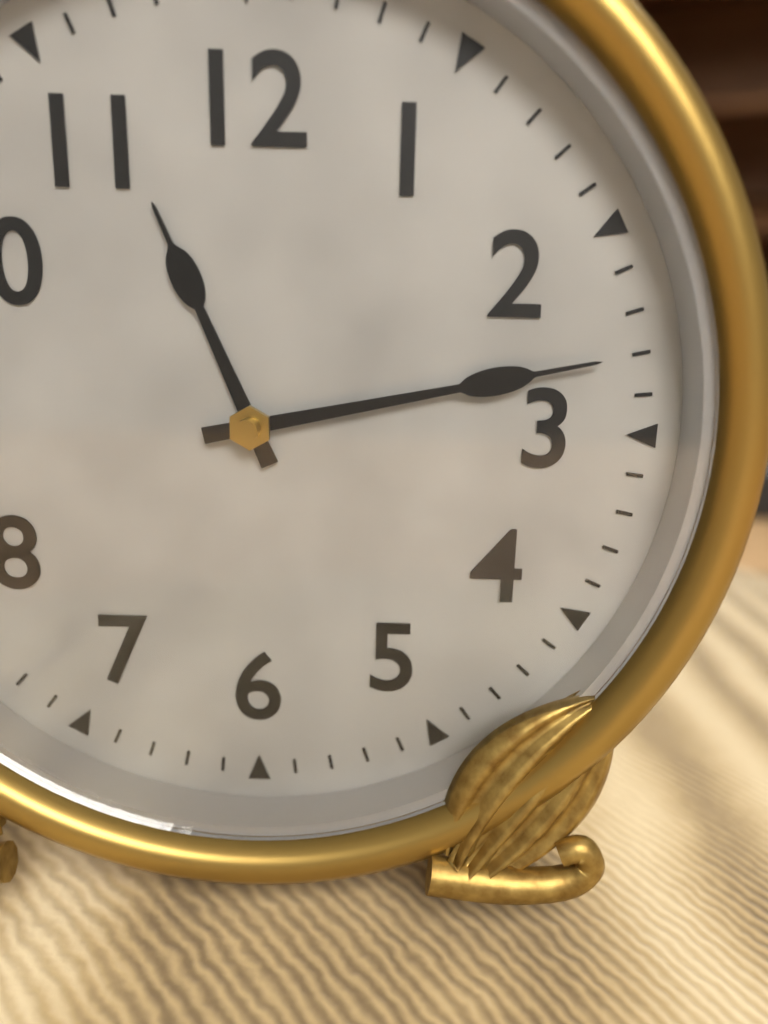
11:13
